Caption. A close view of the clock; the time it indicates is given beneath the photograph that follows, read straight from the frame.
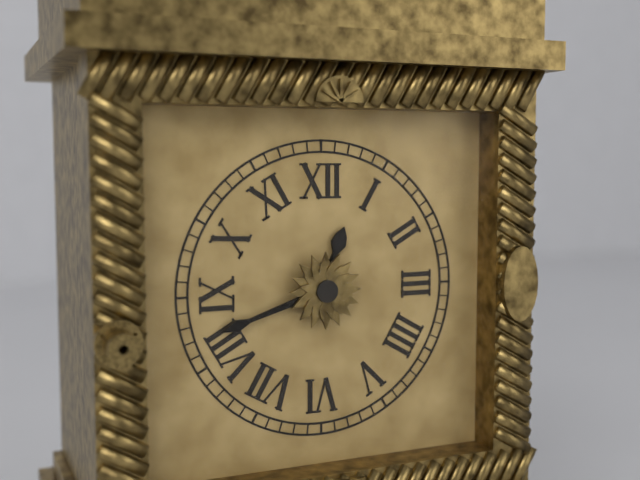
12:42
